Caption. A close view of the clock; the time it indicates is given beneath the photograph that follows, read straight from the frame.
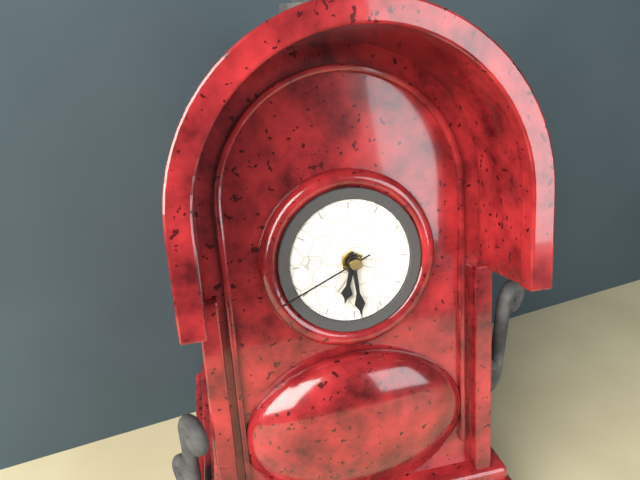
6:29:41
